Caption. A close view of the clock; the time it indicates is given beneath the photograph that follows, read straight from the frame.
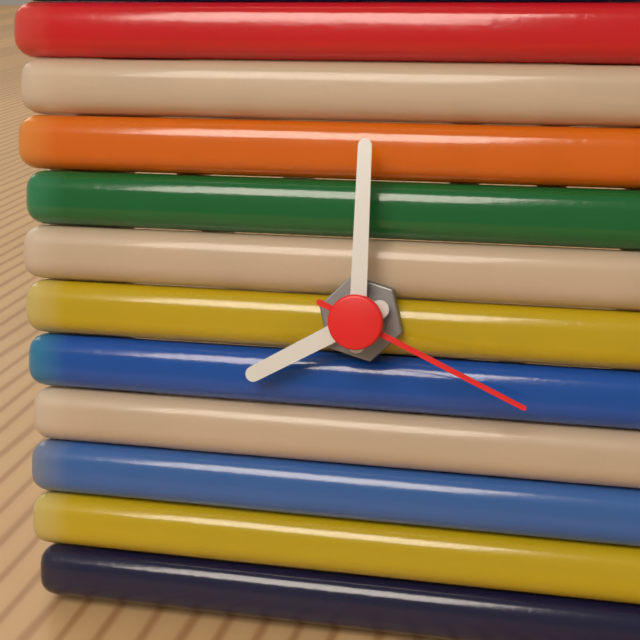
8:00:19
